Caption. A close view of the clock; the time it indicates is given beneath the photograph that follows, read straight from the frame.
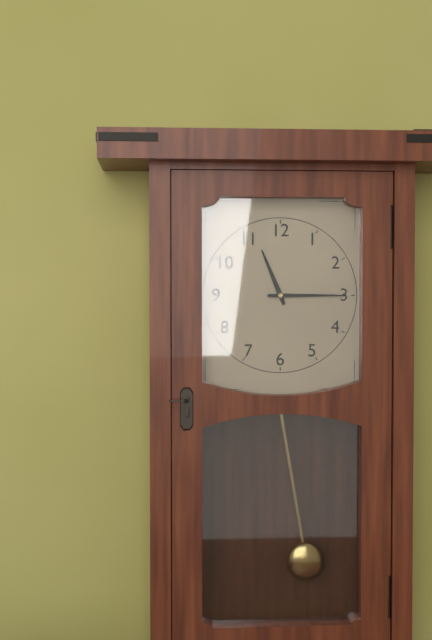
11:15
